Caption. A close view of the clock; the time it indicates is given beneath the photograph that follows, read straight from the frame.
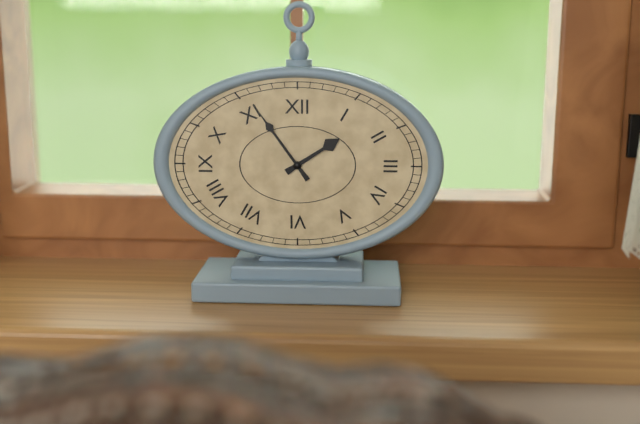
1:54
